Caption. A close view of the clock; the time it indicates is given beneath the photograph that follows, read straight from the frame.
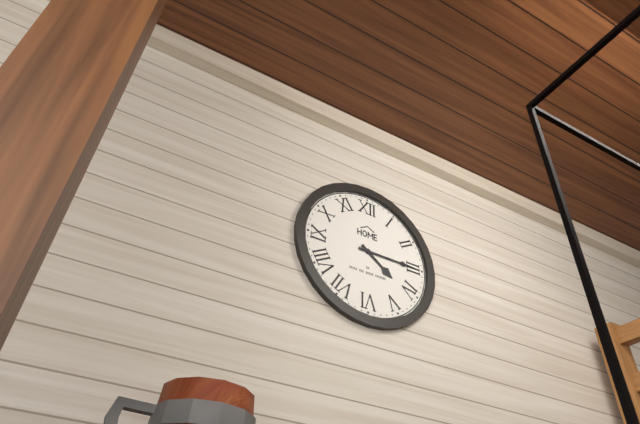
4:15
